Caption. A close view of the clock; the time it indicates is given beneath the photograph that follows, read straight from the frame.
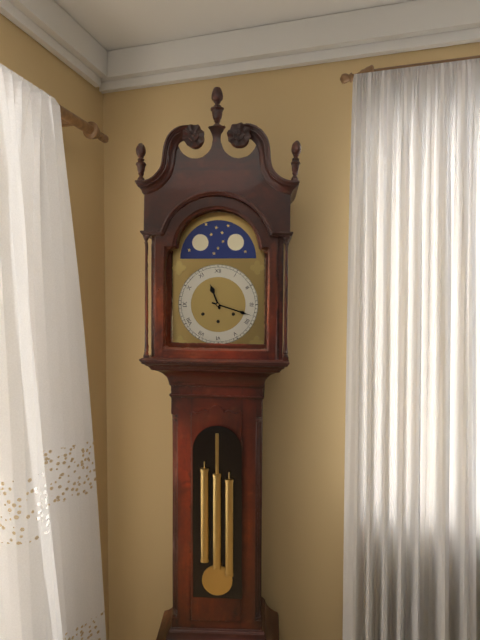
11:18
